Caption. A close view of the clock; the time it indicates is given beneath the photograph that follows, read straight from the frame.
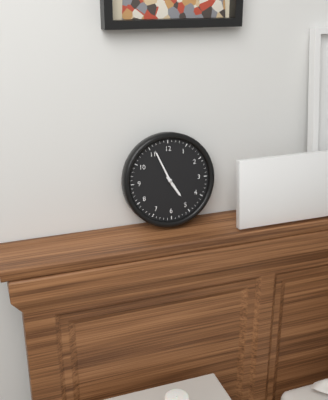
4:56
